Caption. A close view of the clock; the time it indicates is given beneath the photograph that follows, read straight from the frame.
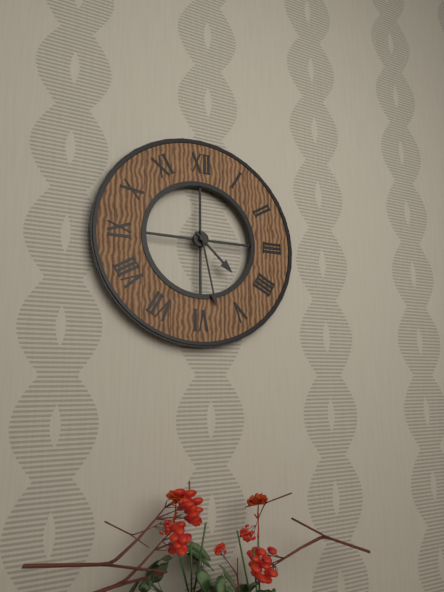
4:28
